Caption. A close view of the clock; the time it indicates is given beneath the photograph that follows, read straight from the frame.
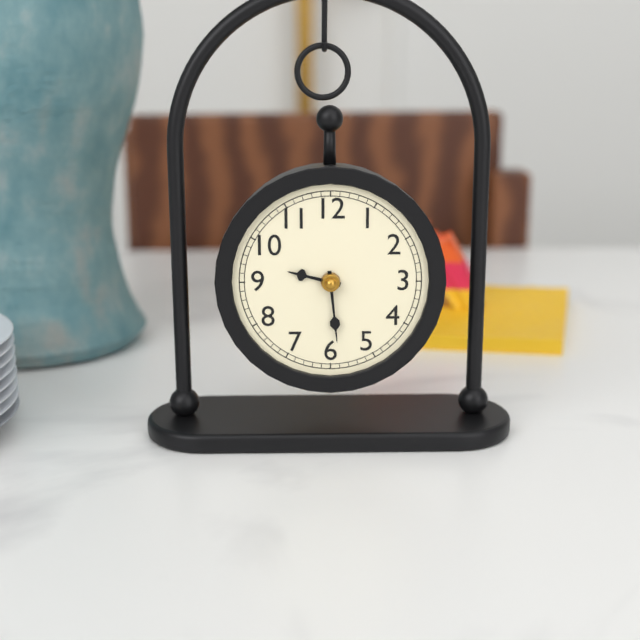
9:29
